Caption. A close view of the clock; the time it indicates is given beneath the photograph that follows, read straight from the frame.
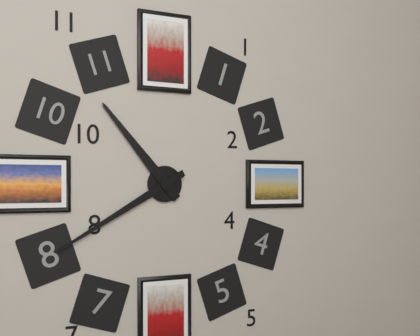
10:40
